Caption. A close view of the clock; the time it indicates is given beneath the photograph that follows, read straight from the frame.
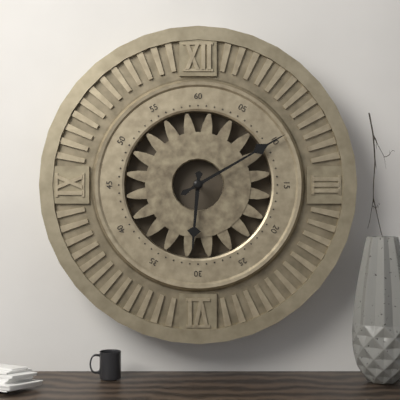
6:10
